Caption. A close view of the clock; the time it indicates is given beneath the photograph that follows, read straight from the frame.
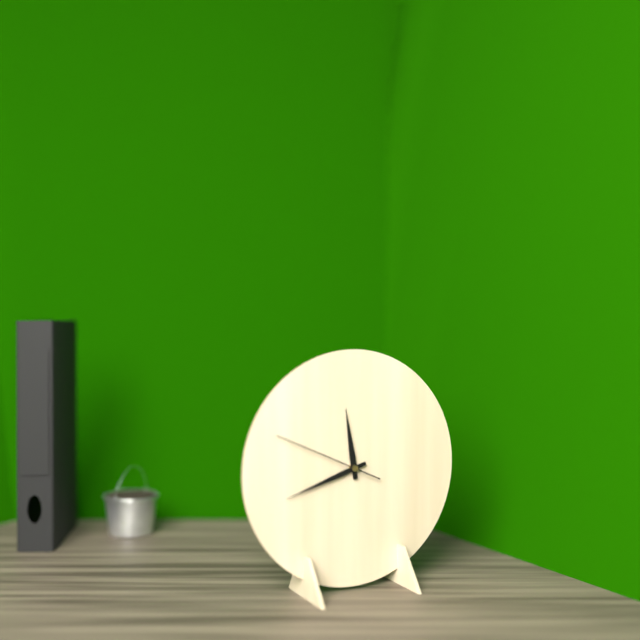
11:42:49
